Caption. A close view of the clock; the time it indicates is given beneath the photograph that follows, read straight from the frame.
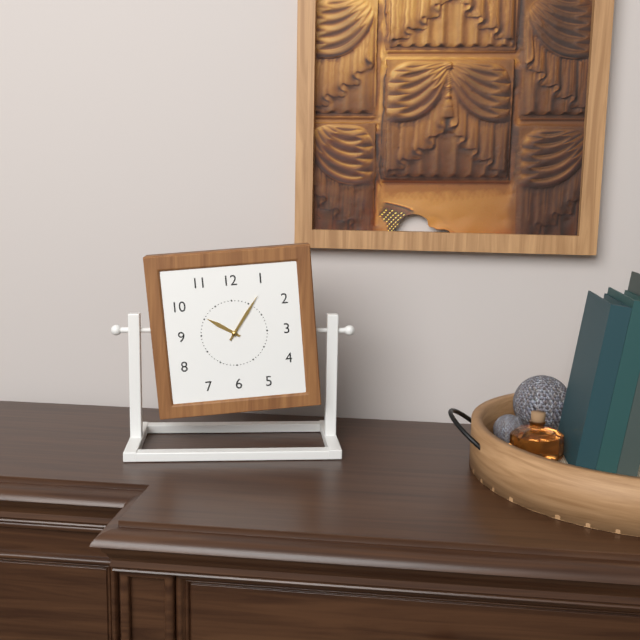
10:06
